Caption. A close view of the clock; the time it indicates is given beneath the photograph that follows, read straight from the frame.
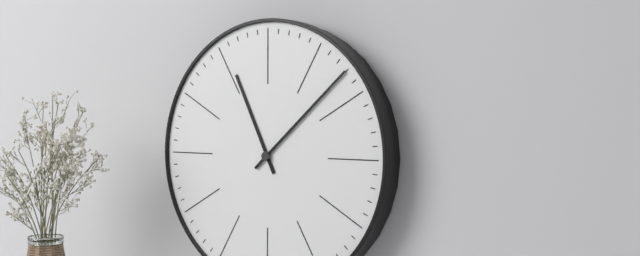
11:08
